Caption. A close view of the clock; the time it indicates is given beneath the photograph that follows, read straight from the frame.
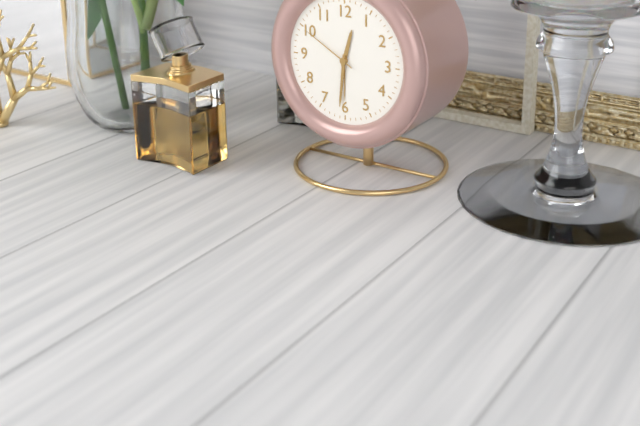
12:31:50
